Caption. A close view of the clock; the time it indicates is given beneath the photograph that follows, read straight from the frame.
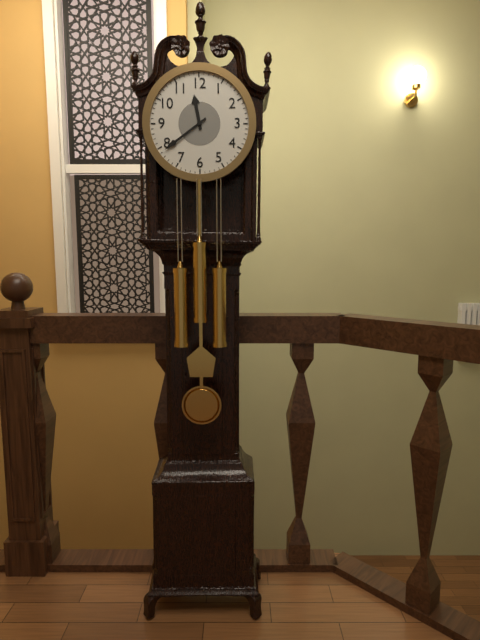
11:39
